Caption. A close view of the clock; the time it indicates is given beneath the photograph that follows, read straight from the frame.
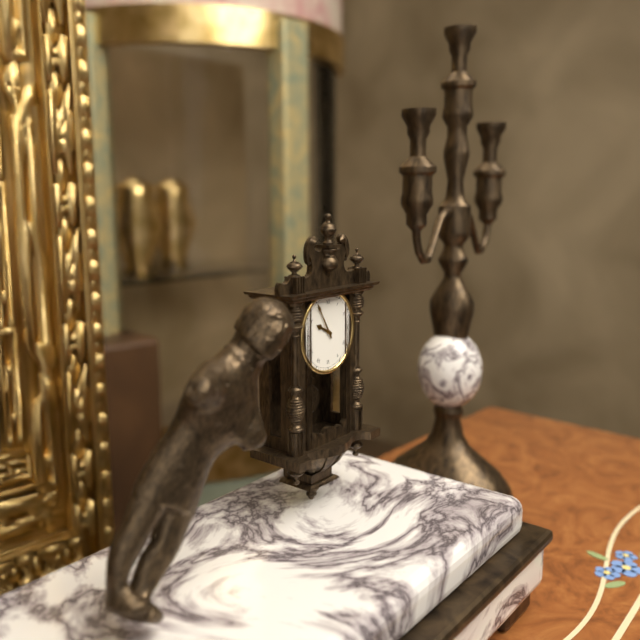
9:55
